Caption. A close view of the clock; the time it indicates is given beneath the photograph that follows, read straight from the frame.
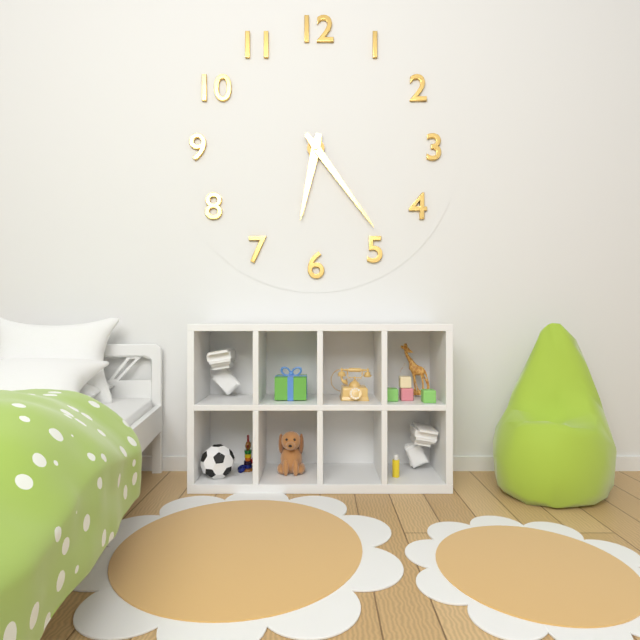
6:24
